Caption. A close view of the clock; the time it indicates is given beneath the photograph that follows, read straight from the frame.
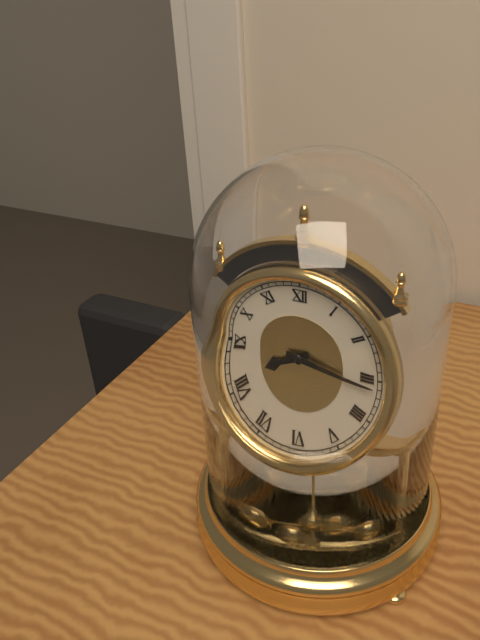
8:16
